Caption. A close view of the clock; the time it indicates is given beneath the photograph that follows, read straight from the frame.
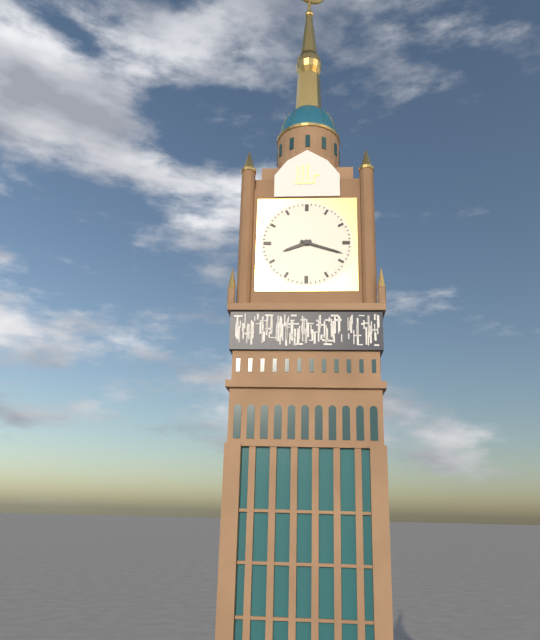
8:18
